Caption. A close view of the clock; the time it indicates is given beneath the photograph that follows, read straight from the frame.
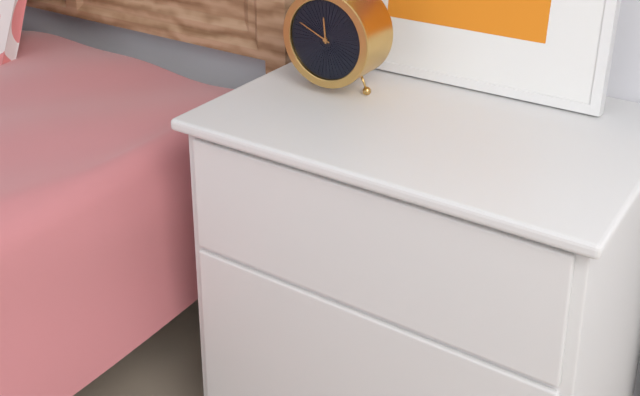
11:49
